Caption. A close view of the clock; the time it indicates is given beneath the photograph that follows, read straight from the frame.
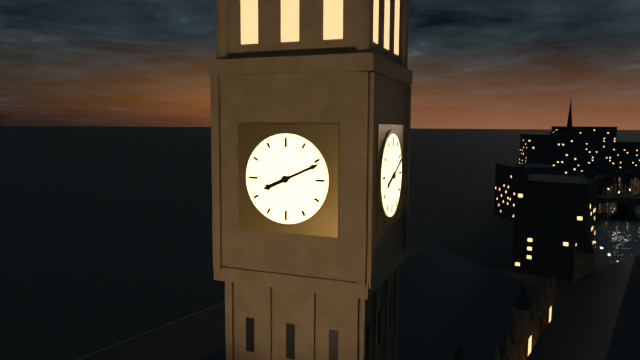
8:11
